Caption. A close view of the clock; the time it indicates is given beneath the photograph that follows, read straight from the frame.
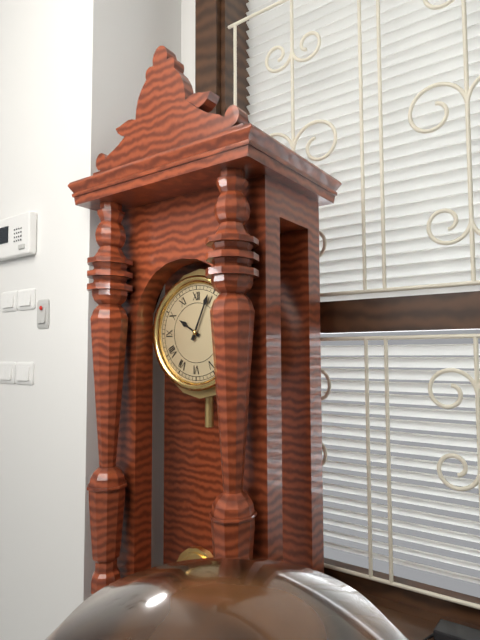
10:04
